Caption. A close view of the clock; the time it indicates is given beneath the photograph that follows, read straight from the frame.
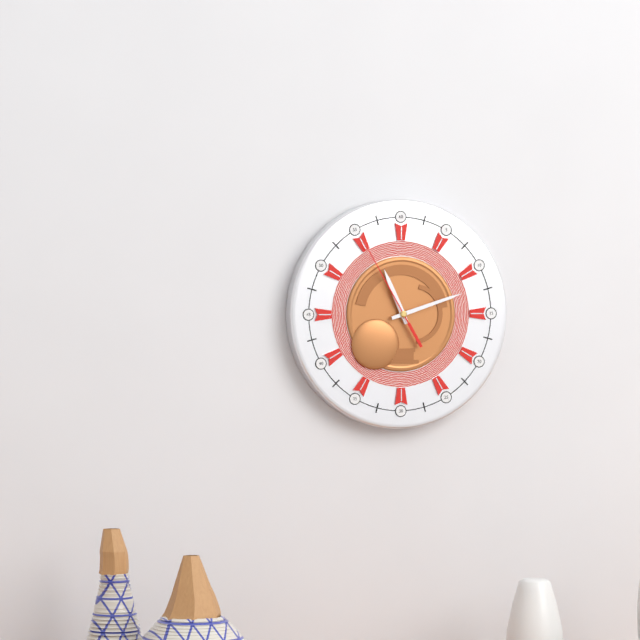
11:12:55
